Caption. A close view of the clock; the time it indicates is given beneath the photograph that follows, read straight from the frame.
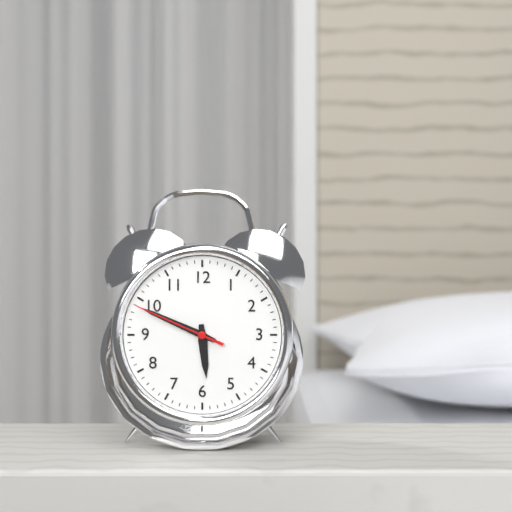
5:49:49
